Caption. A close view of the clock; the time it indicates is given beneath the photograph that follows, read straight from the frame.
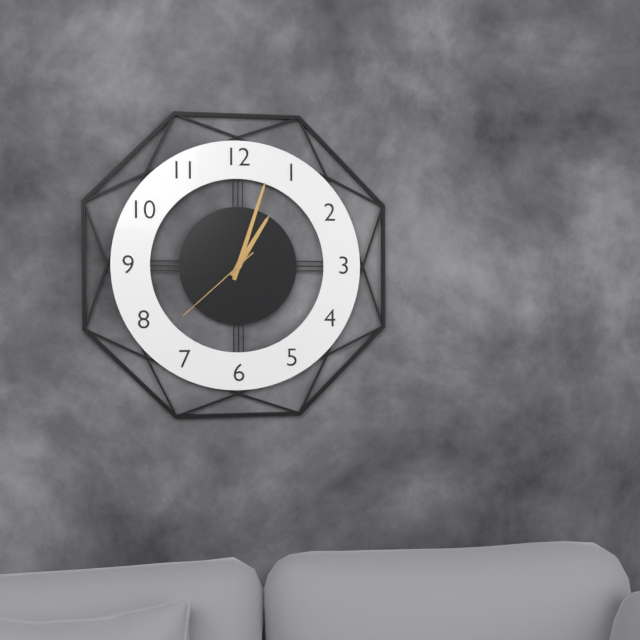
1:03:38
